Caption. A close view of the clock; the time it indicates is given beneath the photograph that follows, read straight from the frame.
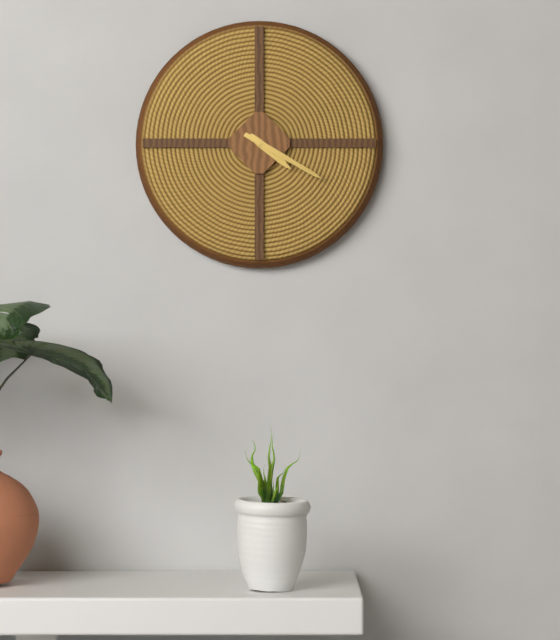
4:20
